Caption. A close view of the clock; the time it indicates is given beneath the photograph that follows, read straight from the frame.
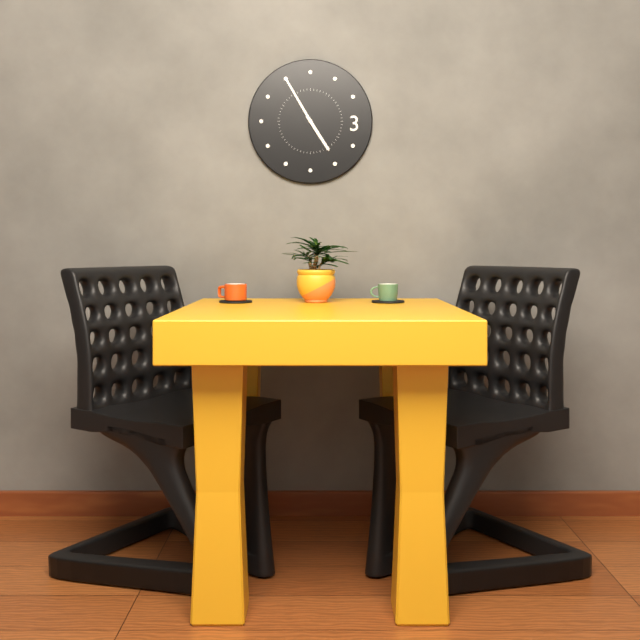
4:55
